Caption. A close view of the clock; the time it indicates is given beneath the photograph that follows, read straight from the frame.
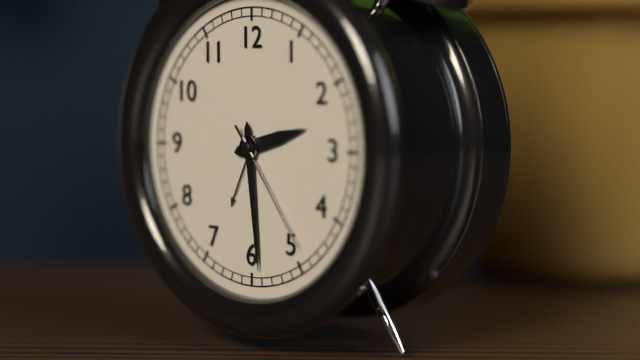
2:29:24
